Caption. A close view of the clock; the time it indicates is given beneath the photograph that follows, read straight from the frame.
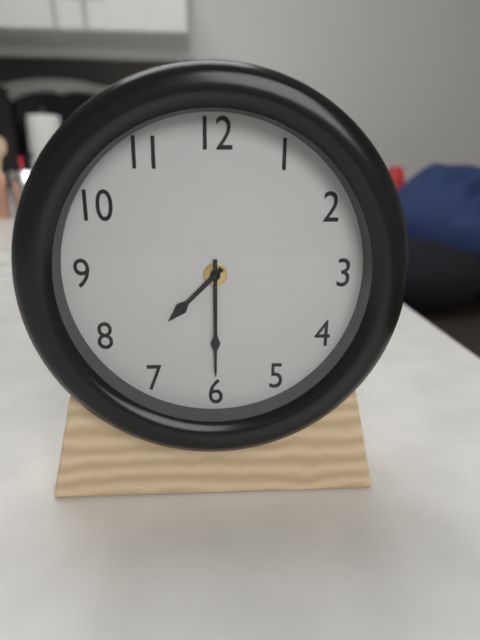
7:30
